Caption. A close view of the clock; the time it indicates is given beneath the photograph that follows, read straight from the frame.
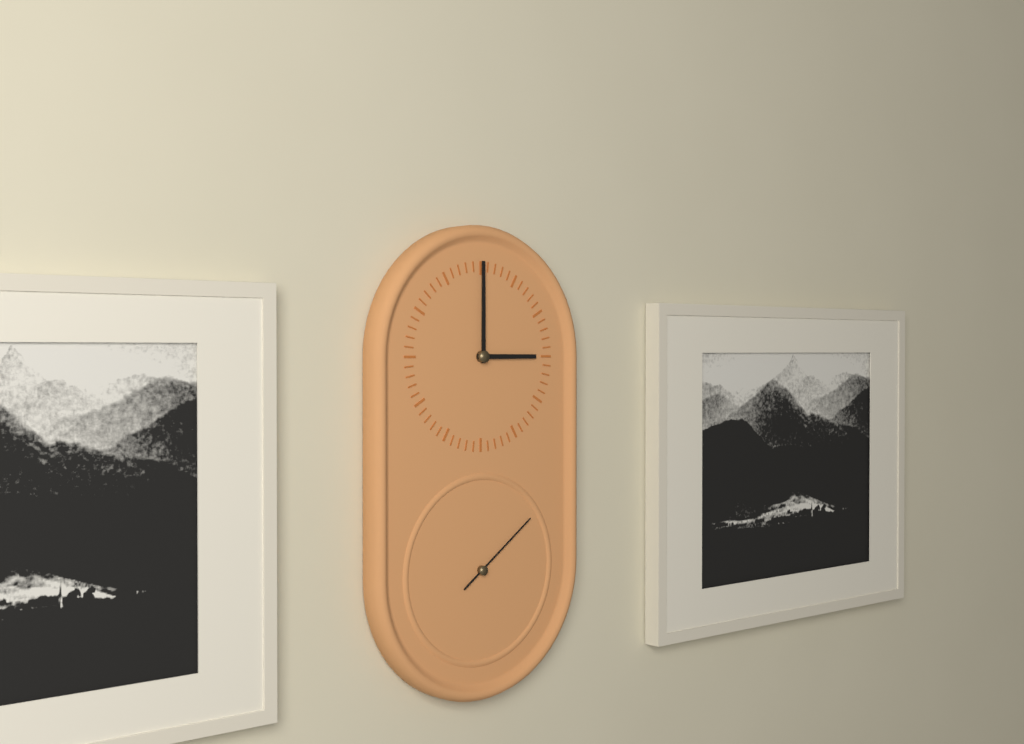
3:00:09
